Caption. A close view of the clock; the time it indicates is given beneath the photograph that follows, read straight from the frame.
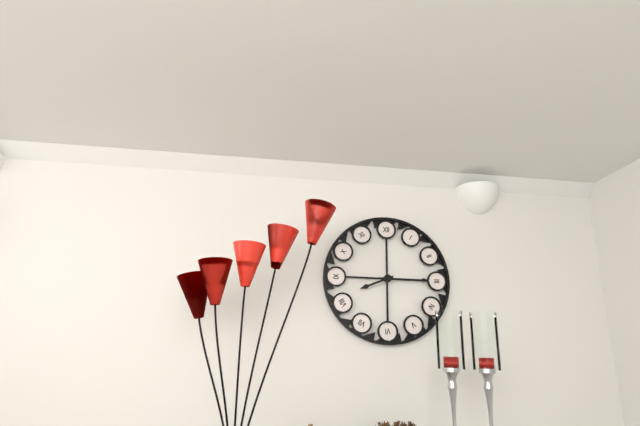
8:15
